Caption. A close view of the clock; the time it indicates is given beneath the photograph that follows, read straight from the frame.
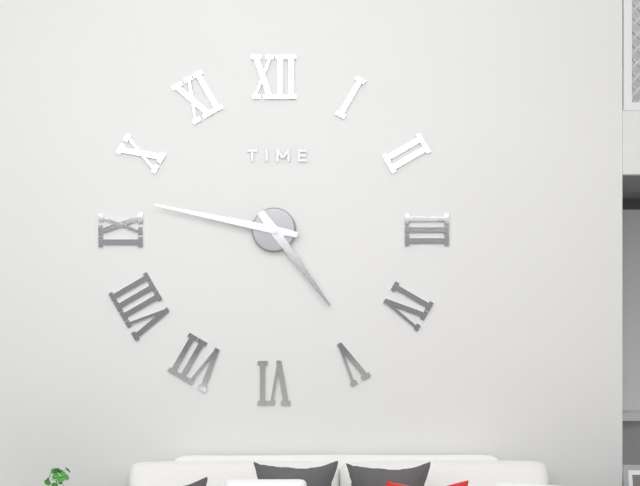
4:47
